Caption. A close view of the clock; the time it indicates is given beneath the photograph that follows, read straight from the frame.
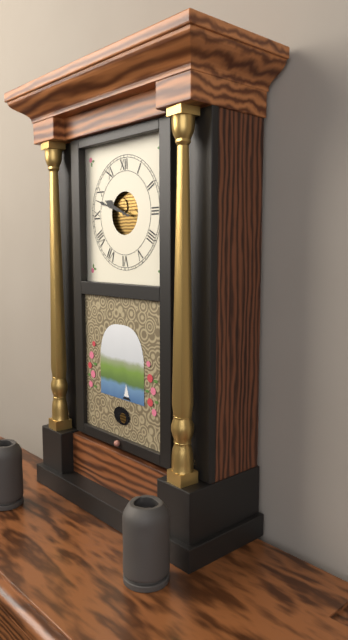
9:48
